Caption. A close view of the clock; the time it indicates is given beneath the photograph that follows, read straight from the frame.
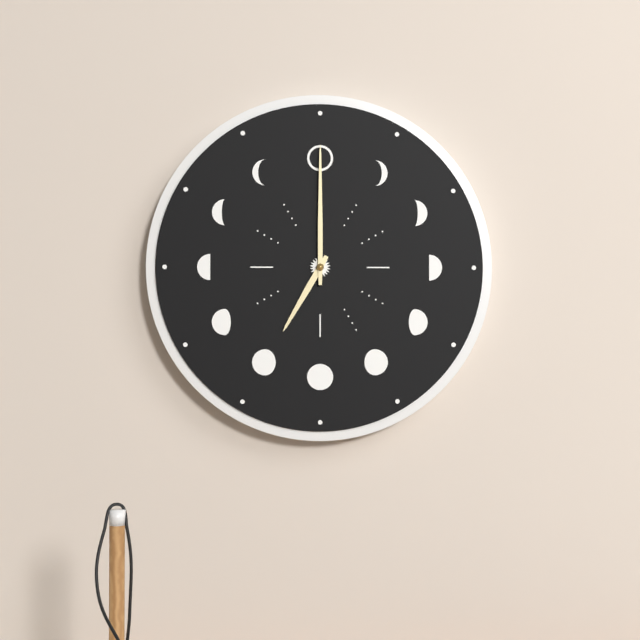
7:00
